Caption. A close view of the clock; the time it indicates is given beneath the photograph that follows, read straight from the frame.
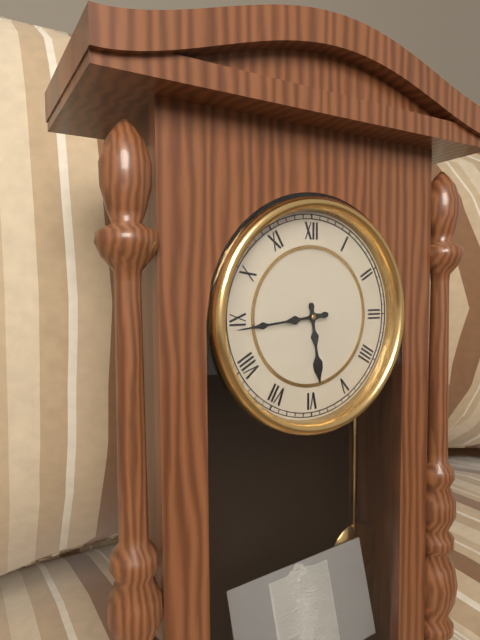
5:44
